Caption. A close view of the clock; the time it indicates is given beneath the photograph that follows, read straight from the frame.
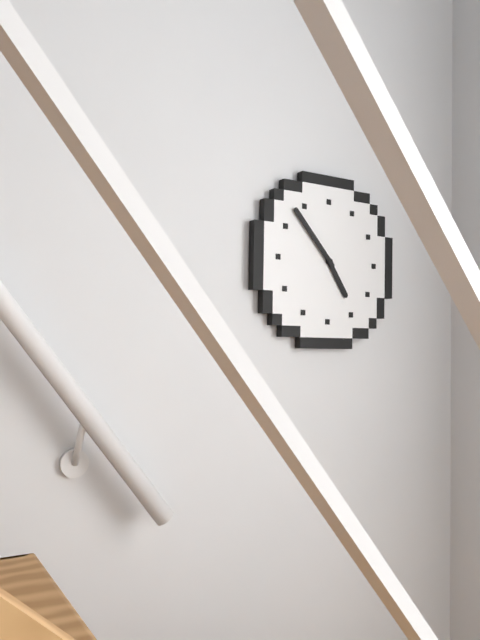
4:53
